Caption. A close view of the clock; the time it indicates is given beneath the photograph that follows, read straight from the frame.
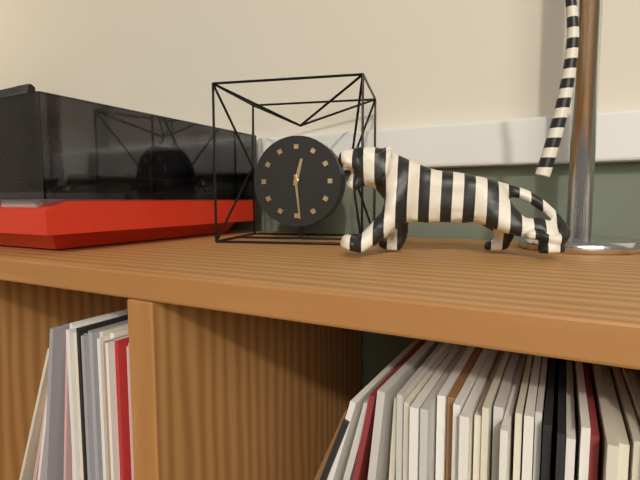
12:29
